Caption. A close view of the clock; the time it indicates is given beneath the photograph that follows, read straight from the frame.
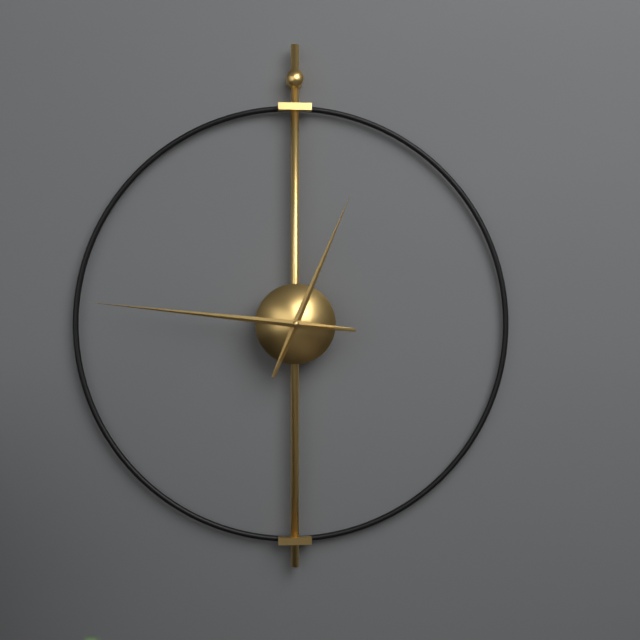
12:46
